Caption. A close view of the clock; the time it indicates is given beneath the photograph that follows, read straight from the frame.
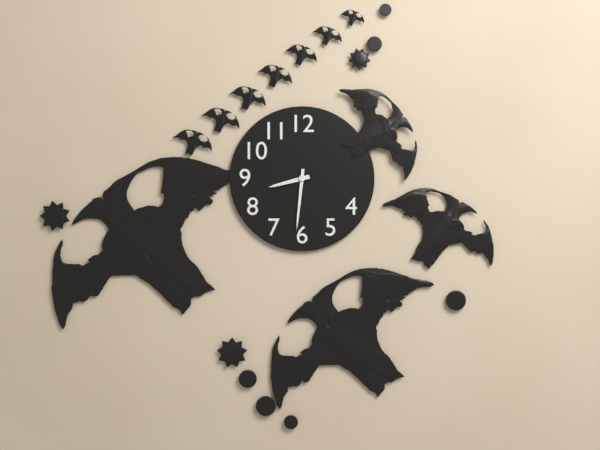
8:31
